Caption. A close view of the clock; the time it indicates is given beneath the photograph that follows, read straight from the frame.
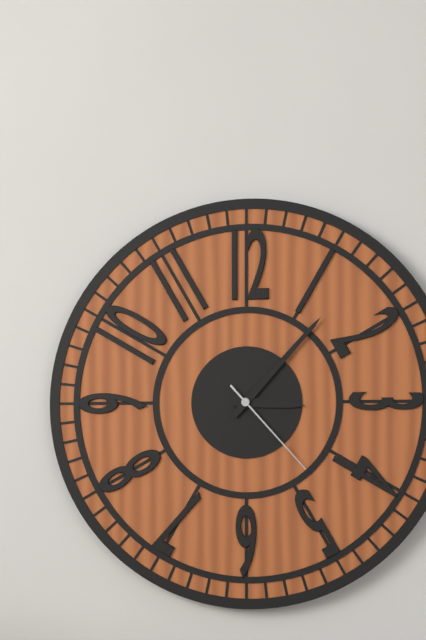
3:07:23
